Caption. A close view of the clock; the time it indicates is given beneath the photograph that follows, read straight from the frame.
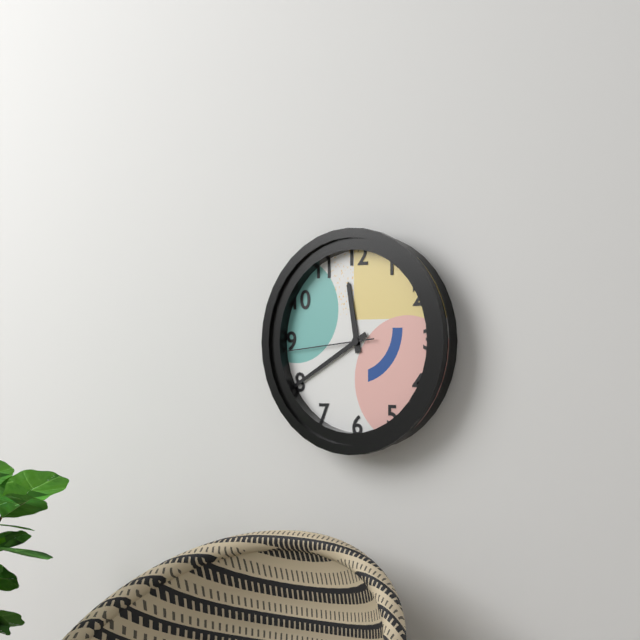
11:40:44
